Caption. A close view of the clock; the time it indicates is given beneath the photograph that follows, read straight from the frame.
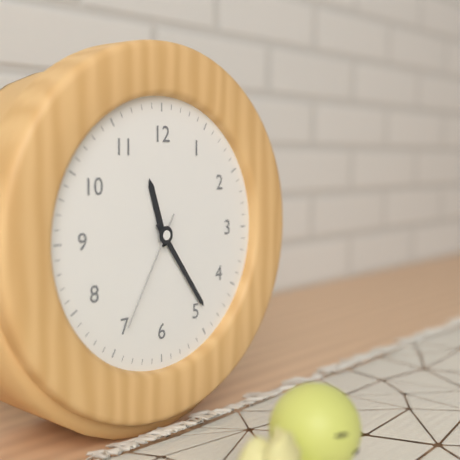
11:24:35
